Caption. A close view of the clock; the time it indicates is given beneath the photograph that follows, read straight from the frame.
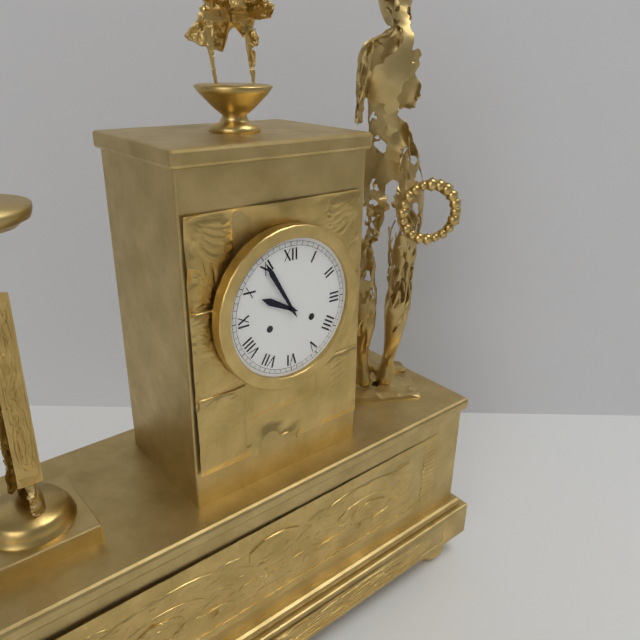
9:55
